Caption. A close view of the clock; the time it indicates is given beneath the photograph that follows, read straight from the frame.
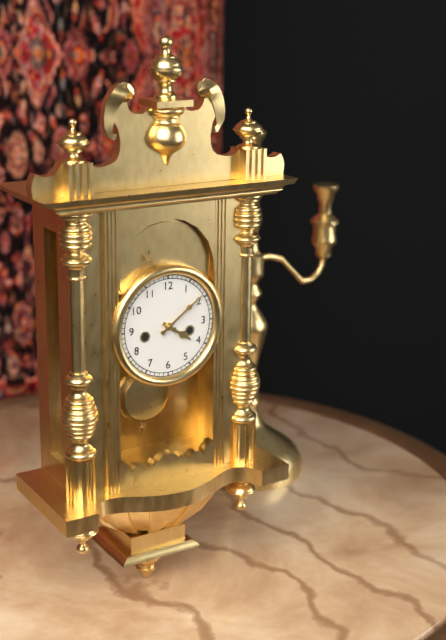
4:09
